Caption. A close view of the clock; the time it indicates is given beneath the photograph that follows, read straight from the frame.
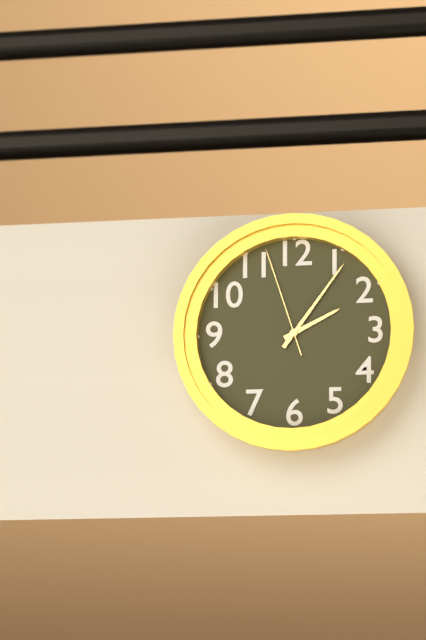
2:06:57
